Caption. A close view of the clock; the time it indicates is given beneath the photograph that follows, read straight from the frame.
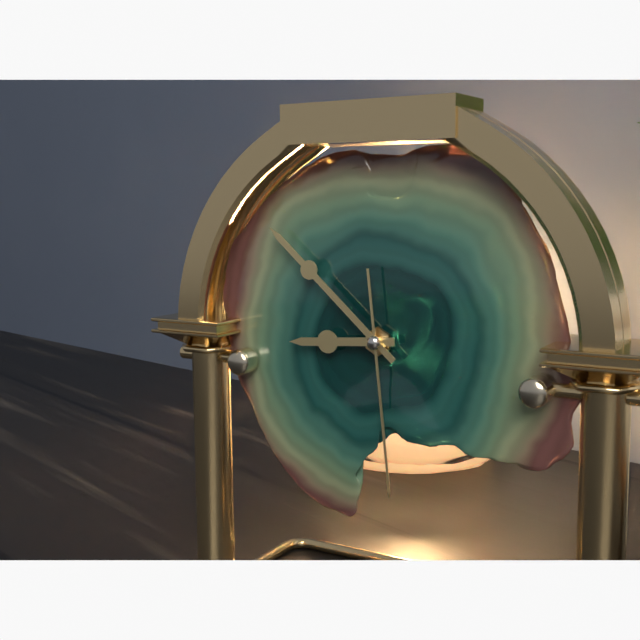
8:52:29
